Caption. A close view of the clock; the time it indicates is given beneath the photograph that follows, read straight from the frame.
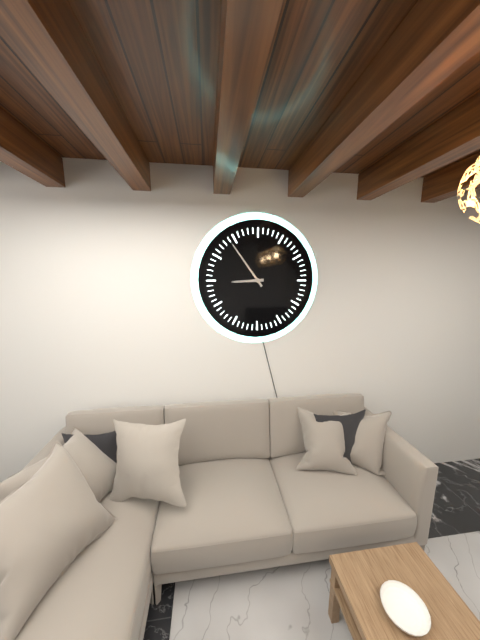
8:54
